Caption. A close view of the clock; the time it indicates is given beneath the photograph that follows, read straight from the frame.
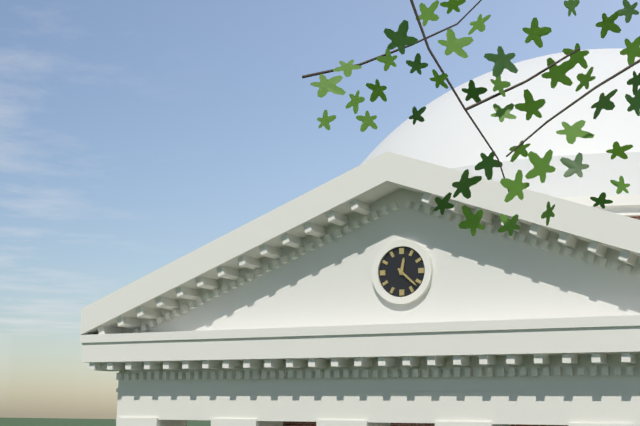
12:22
